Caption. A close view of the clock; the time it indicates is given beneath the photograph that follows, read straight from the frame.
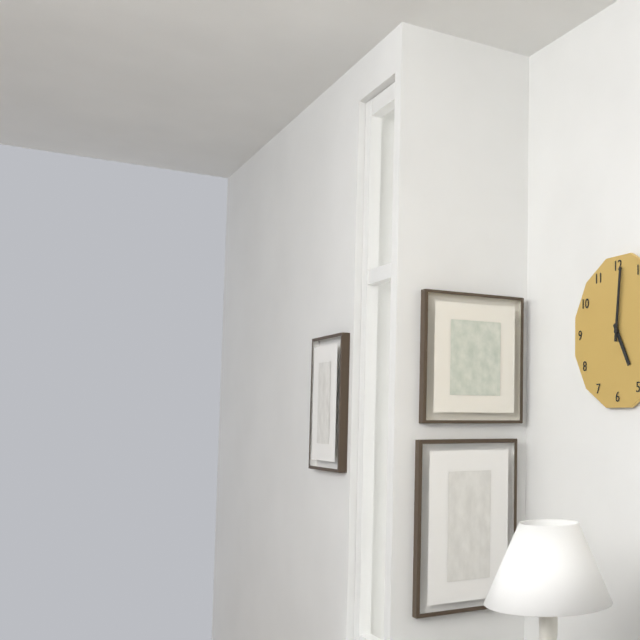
5:01
